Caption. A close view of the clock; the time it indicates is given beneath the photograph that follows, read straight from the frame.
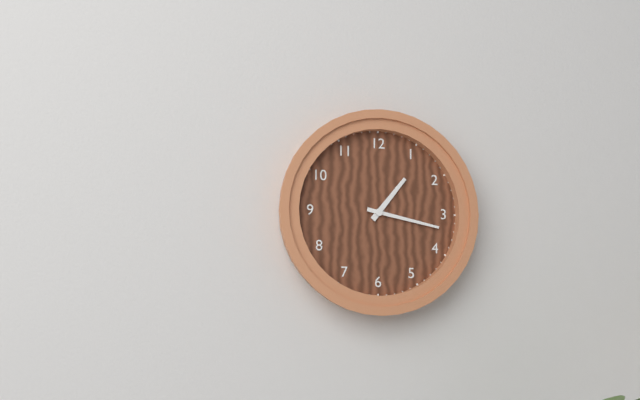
1:17
